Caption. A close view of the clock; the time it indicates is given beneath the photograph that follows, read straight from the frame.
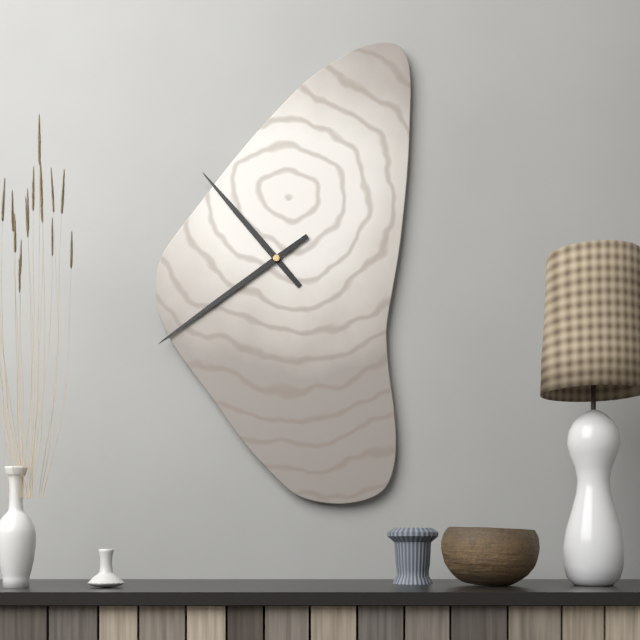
10:39
